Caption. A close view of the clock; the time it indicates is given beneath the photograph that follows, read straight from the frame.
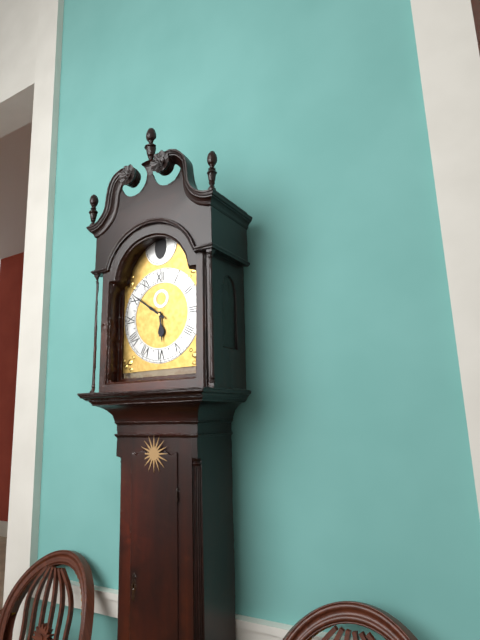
5:51
